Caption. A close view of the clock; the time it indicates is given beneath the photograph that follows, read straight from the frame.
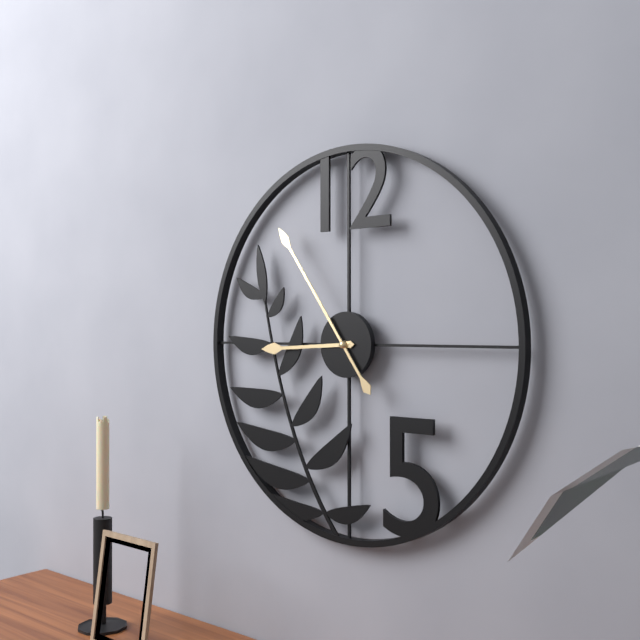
8:54
